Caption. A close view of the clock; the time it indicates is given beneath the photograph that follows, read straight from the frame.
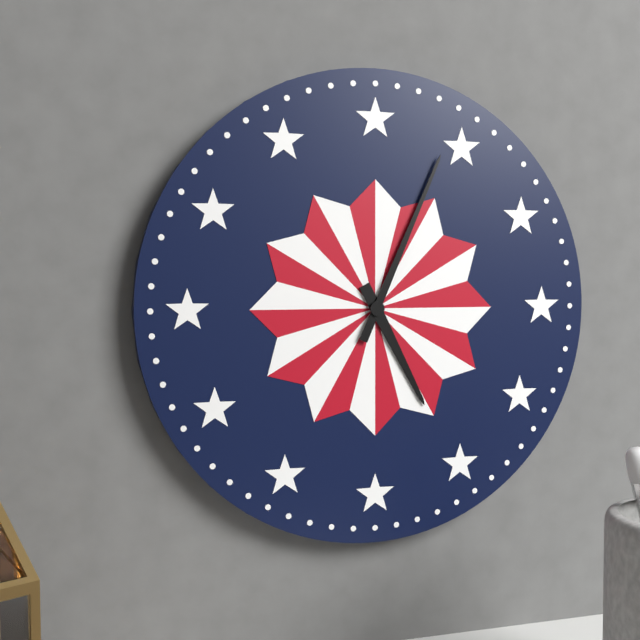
5:04
